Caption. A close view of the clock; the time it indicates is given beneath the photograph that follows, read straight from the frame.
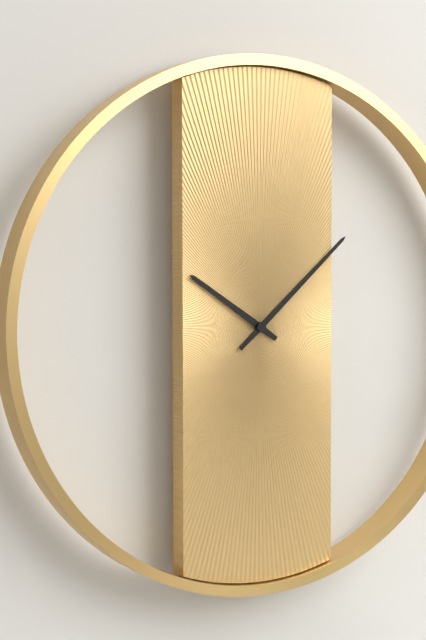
10:08
